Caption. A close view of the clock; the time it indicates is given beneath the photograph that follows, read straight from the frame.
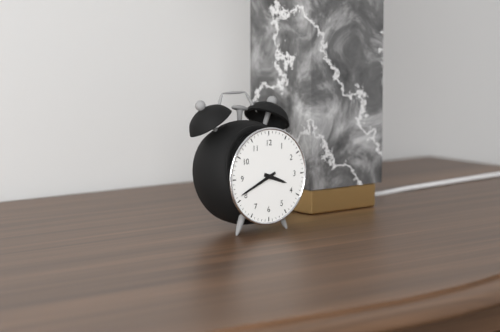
3:41
